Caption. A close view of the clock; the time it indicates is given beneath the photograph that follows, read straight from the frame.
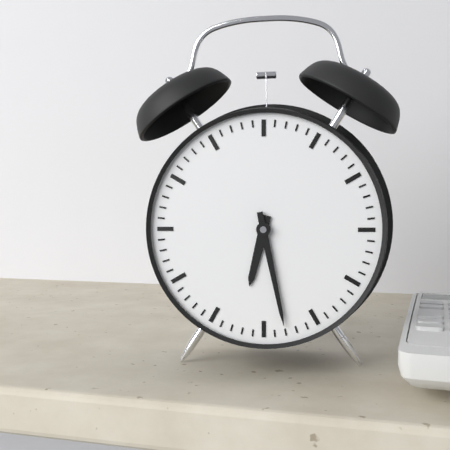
6:28
